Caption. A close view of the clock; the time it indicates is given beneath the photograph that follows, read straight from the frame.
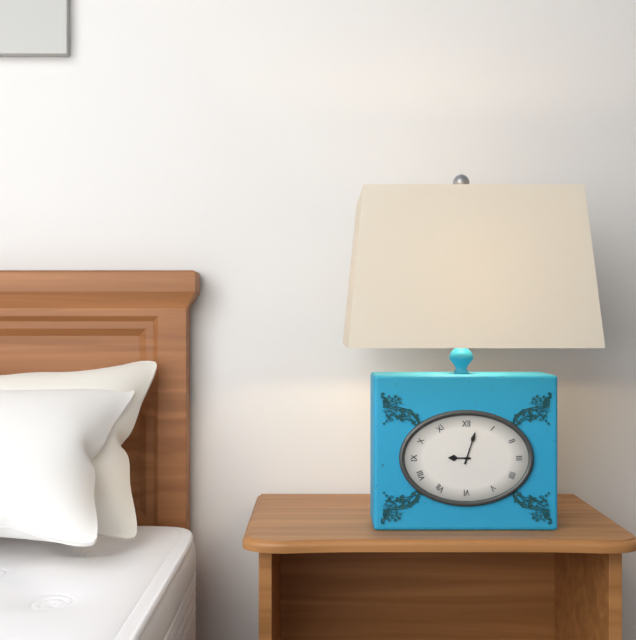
9:03
